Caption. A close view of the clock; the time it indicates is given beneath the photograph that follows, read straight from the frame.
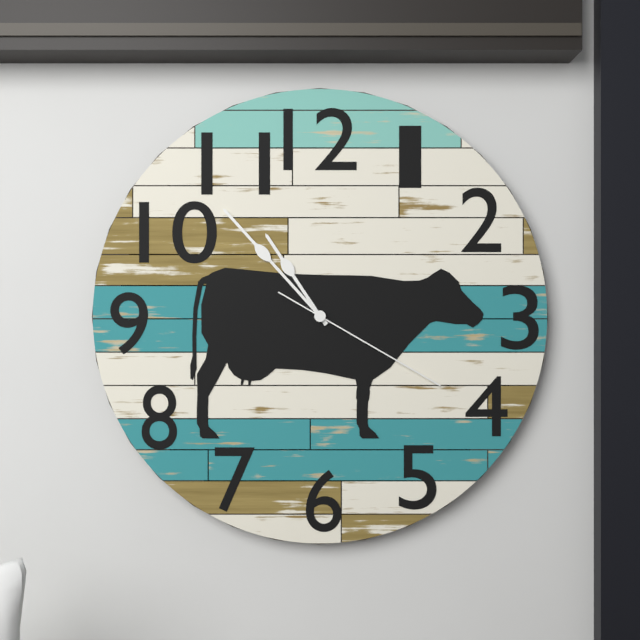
10:53:20
